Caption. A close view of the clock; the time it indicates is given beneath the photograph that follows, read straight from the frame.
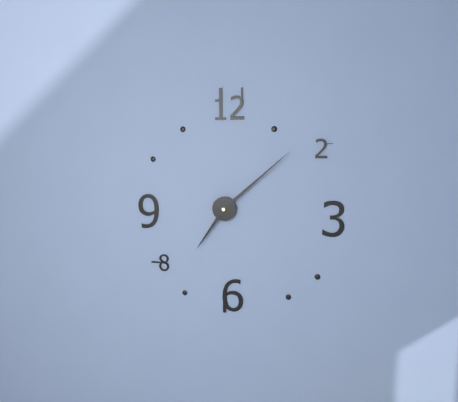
7:08
